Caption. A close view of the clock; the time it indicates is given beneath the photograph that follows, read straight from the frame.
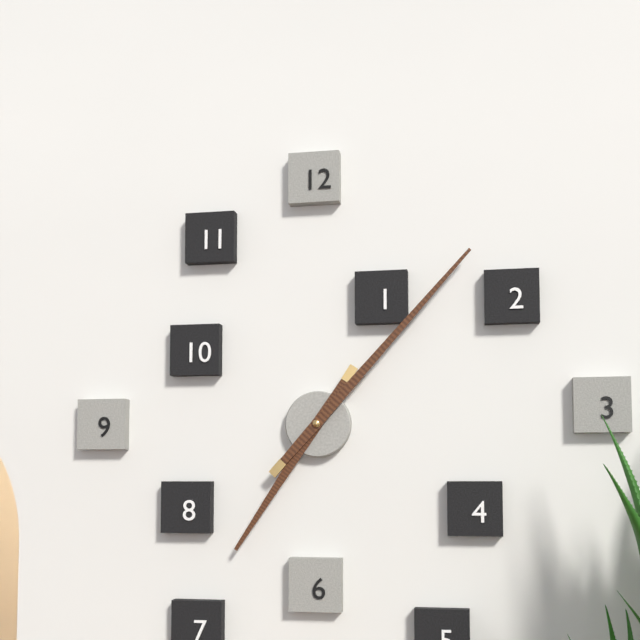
7:07
